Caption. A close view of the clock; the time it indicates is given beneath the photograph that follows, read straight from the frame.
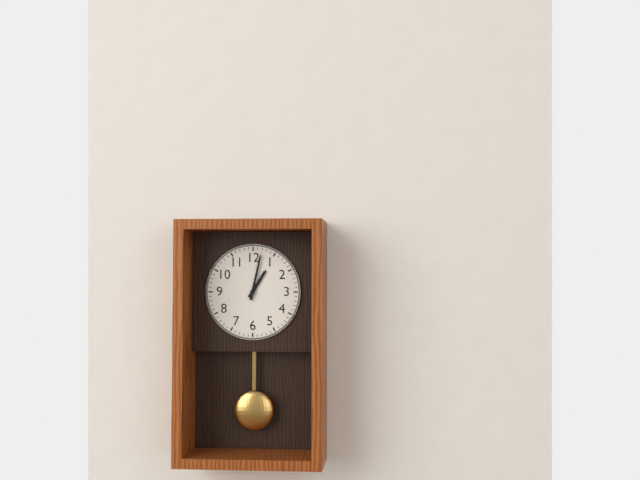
1:02
